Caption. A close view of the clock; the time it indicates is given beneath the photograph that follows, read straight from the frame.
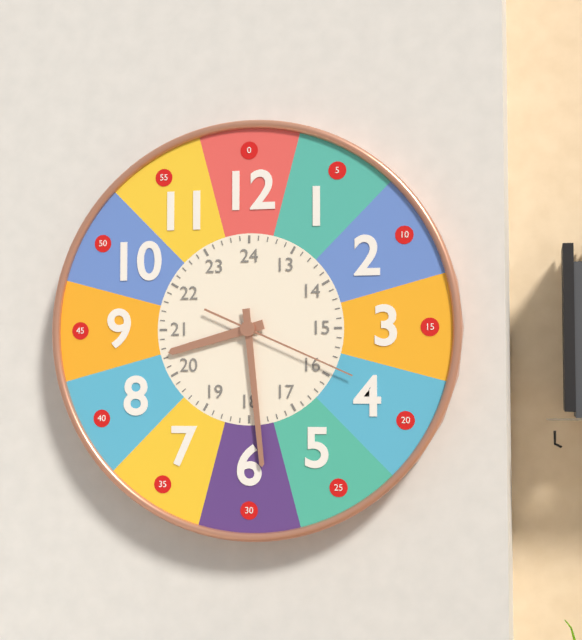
8:29:19
